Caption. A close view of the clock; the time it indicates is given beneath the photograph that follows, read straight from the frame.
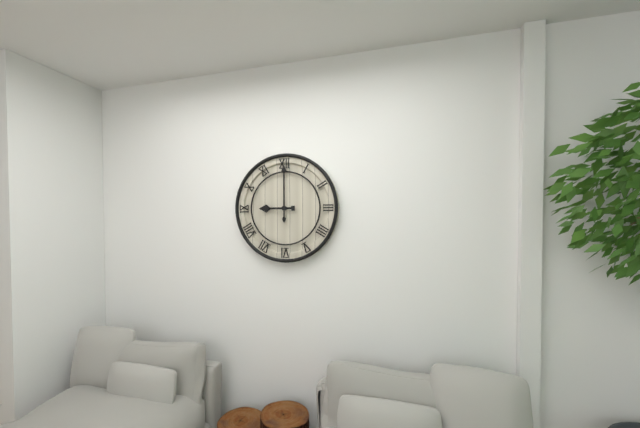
9:00
